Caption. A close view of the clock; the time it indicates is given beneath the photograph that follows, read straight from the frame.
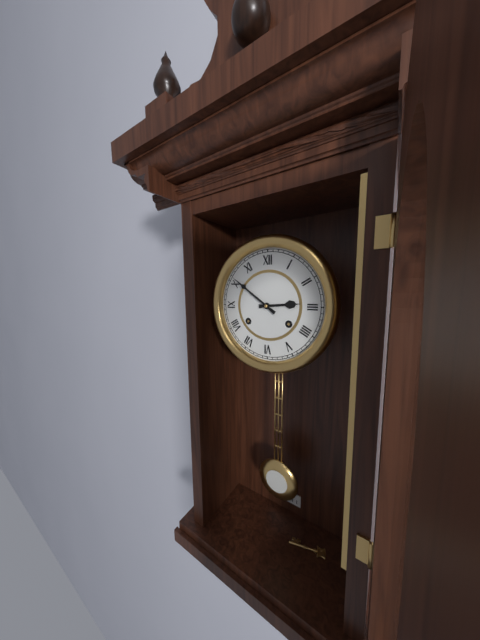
2:51
